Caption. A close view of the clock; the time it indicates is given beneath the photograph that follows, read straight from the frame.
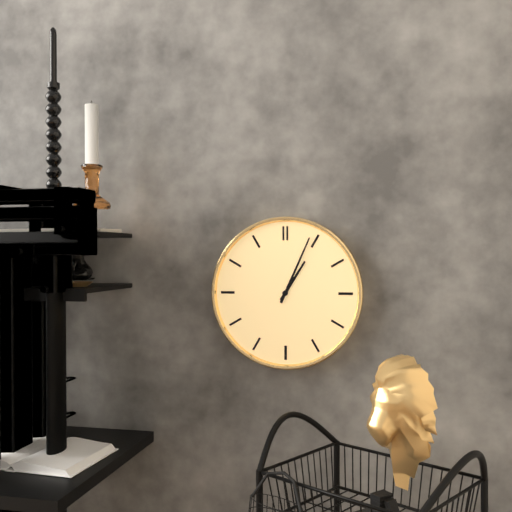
1:04
